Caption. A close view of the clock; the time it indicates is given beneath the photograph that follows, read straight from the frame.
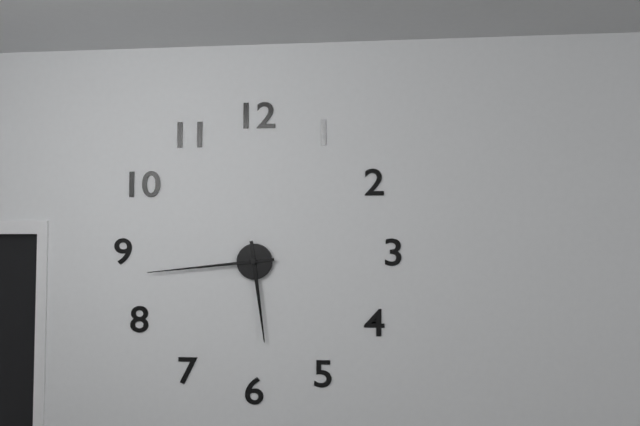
5:44
